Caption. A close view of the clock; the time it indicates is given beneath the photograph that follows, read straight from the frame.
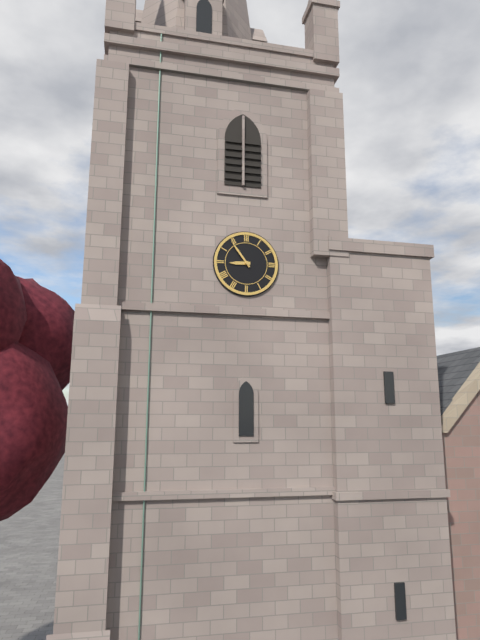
8:54
